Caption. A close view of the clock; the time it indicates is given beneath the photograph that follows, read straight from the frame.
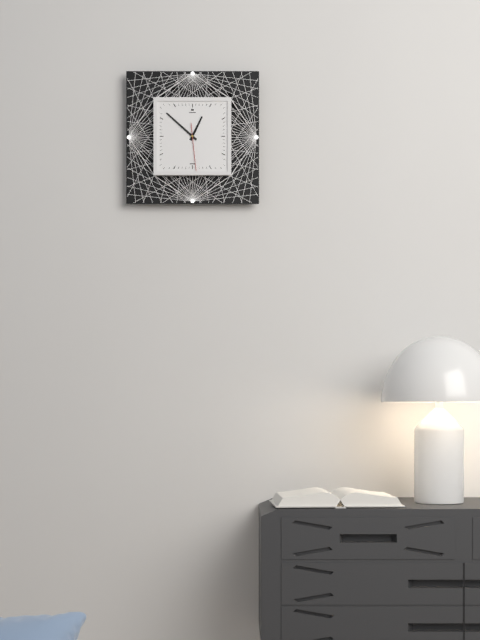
12:52
